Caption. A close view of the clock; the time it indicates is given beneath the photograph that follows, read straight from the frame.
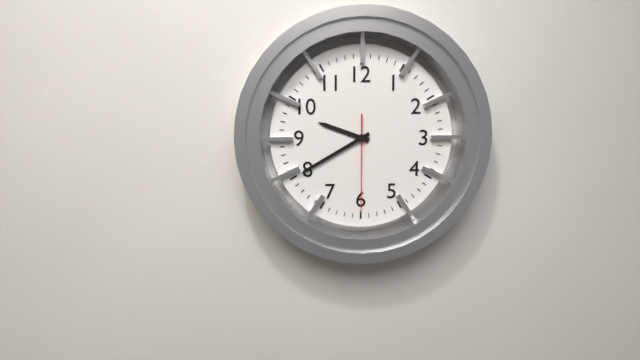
9:40:30
